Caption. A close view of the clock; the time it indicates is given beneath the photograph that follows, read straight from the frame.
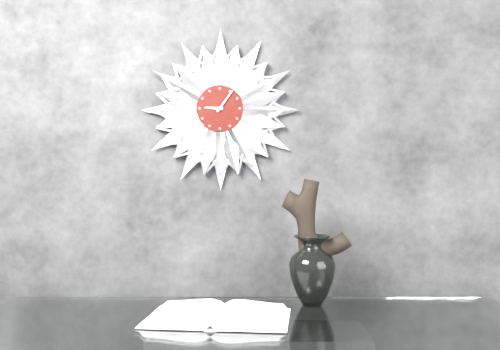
9:06
